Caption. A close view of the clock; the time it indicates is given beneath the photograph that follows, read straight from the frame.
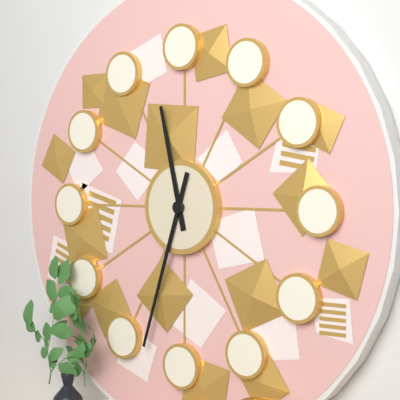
11:33
